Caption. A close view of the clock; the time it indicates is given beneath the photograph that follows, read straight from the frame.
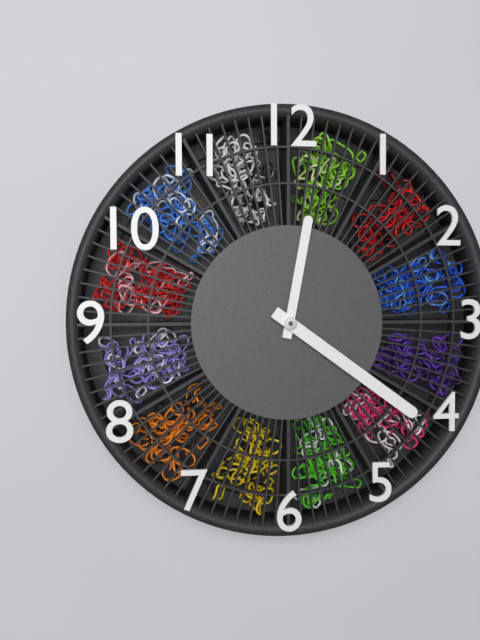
12:21
